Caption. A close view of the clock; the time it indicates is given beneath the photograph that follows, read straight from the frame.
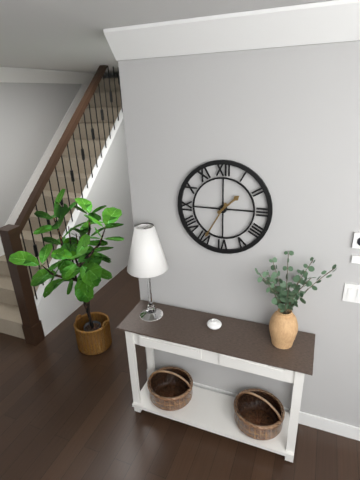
1:35
